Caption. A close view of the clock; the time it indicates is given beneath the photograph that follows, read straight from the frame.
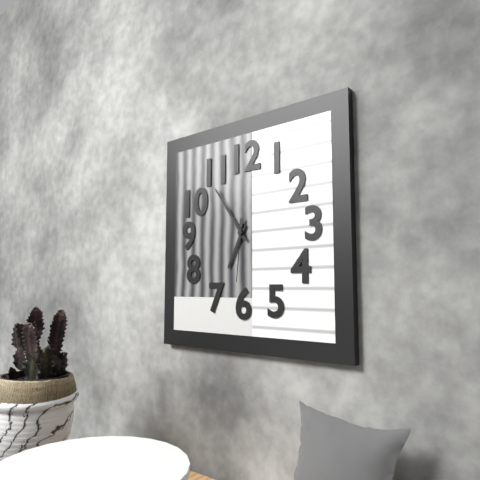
6:54:31
